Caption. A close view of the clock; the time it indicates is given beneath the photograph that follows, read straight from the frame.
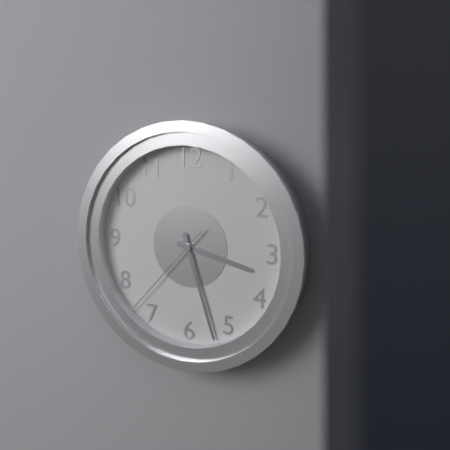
3:27:37
